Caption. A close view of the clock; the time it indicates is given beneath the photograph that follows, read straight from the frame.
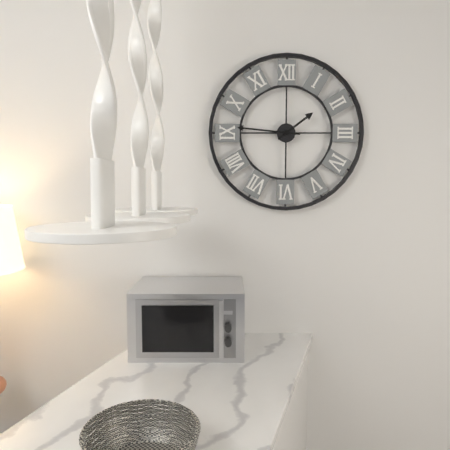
1:46
